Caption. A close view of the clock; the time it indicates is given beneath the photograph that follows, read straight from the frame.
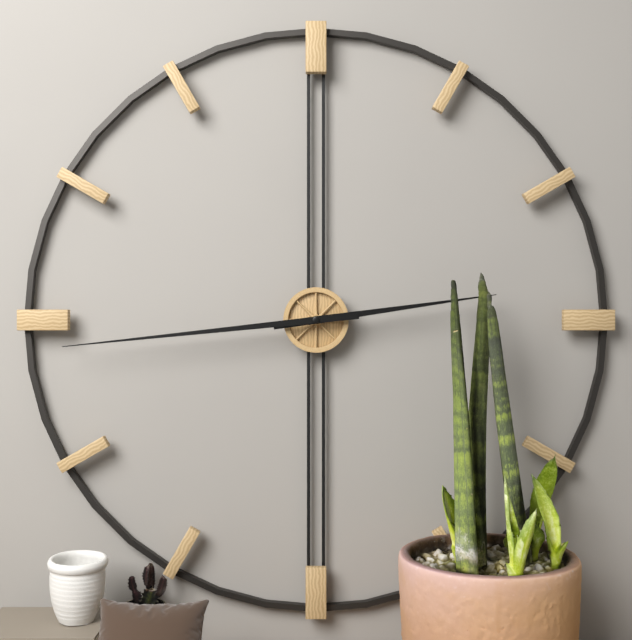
2:44
